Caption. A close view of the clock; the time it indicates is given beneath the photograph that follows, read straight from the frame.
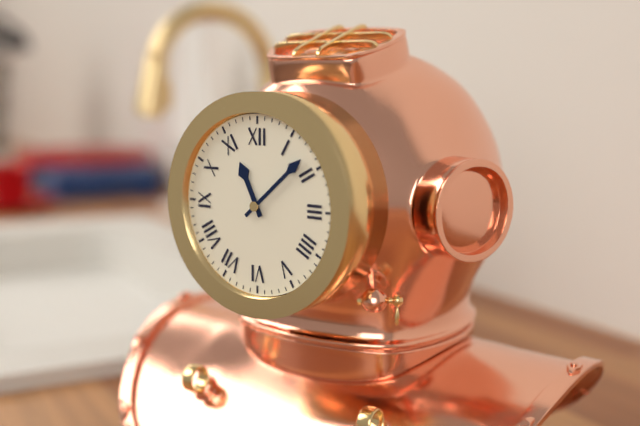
11:08
